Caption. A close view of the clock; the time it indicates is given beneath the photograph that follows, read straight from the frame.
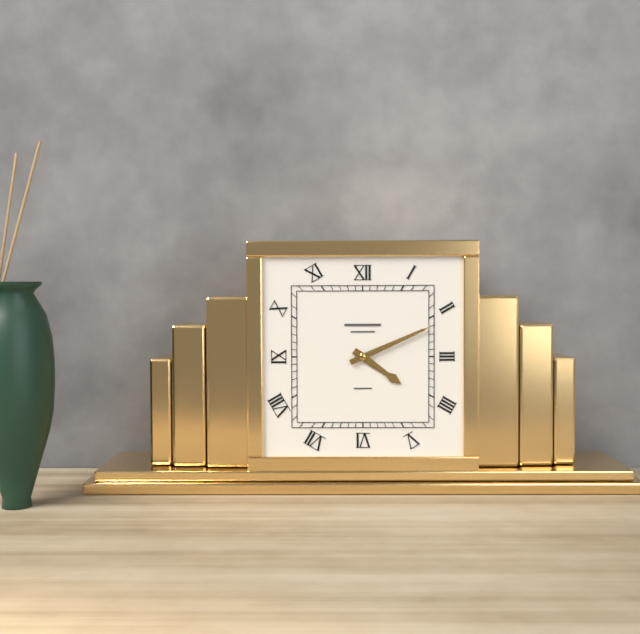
4:11
